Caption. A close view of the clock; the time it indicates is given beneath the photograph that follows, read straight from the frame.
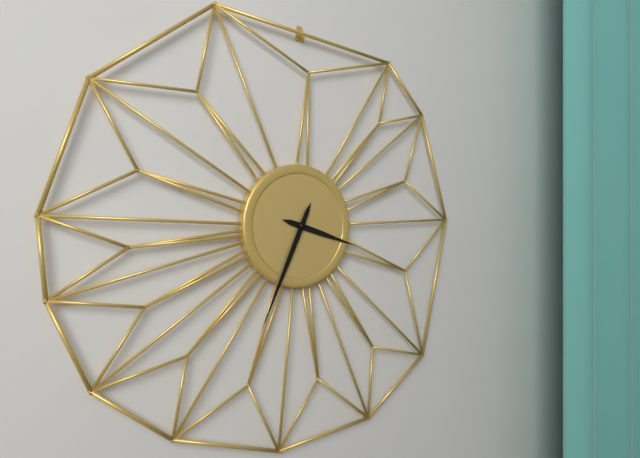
3:34
